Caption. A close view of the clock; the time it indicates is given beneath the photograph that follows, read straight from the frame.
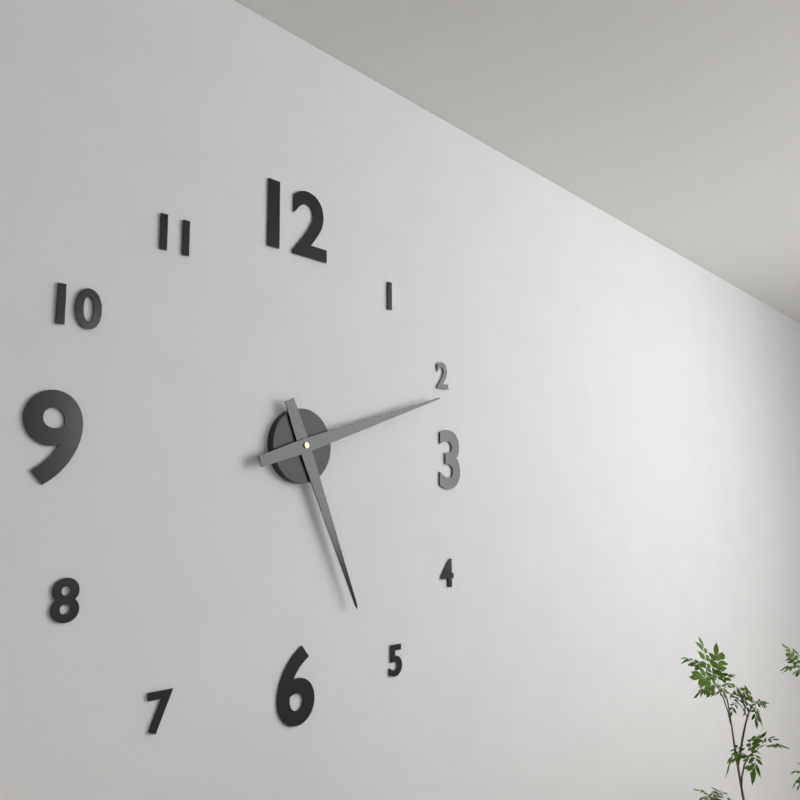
5:12
